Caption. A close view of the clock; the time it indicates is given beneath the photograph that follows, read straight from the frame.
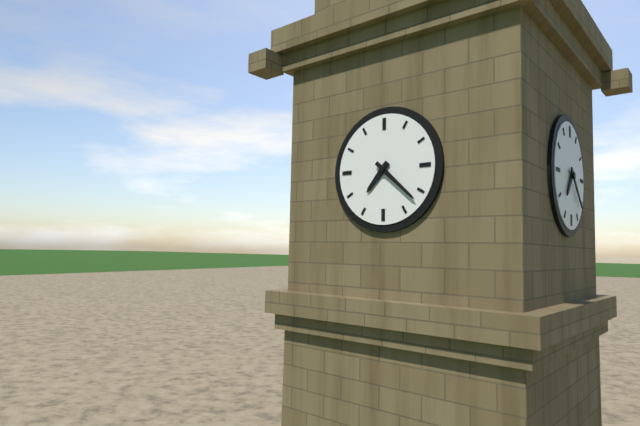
7:22
